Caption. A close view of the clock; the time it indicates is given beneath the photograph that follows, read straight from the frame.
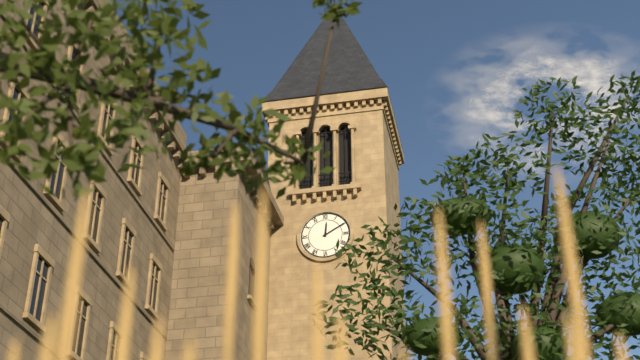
12:10
